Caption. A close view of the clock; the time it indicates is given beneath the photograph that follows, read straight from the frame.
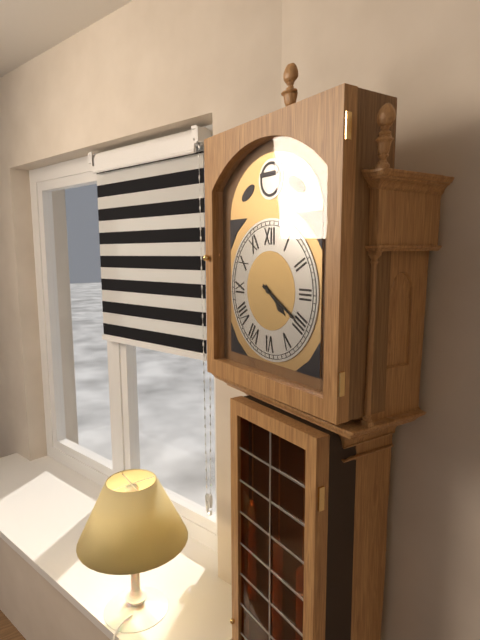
4:20
